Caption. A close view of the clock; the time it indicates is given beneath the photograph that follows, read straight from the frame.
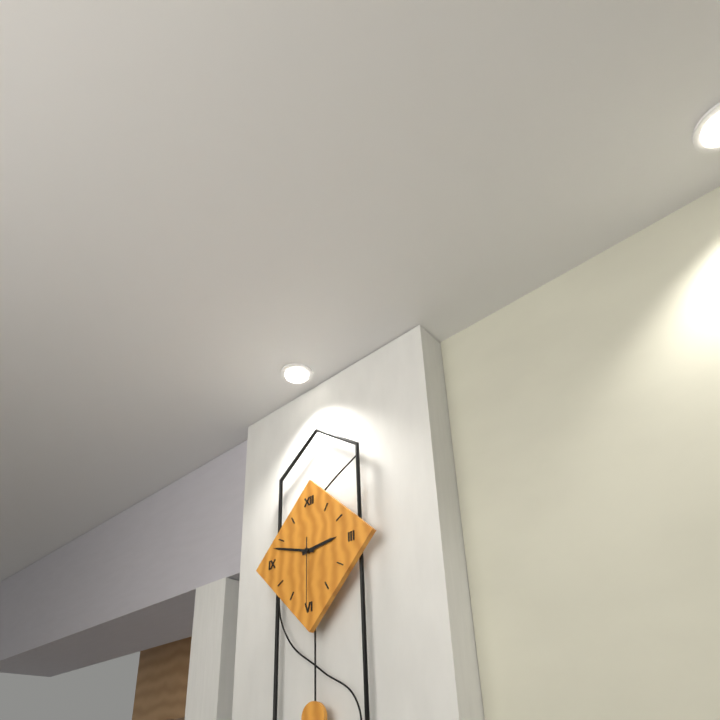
2:48:30
